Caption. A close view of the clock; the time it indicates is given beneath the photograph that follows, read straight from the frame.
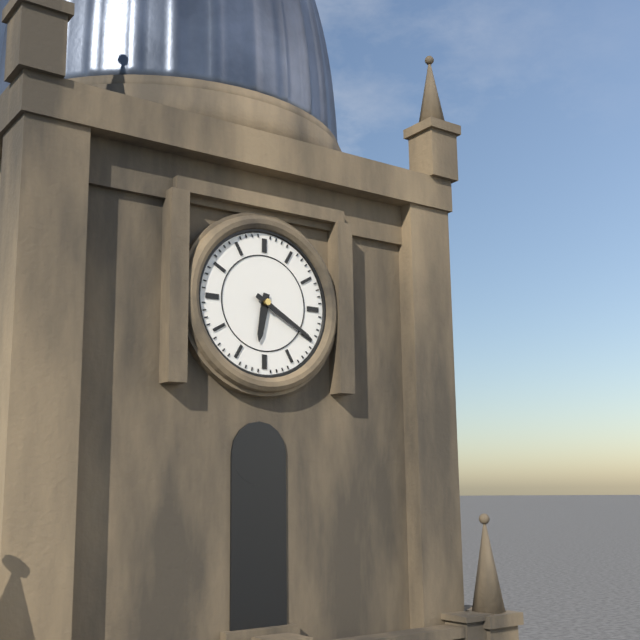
6:20
